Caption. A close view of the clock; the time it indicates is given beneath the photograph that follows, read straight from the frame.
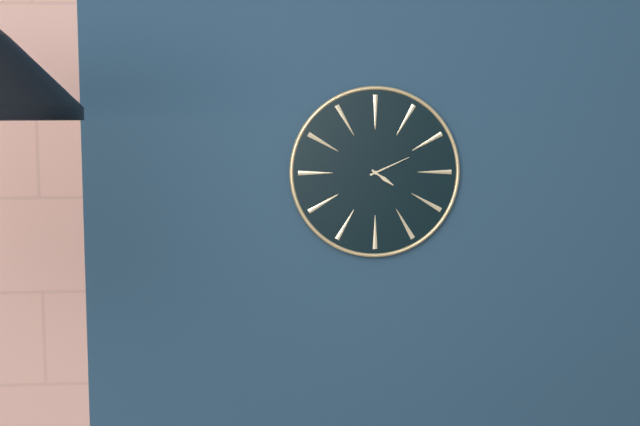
4:11
